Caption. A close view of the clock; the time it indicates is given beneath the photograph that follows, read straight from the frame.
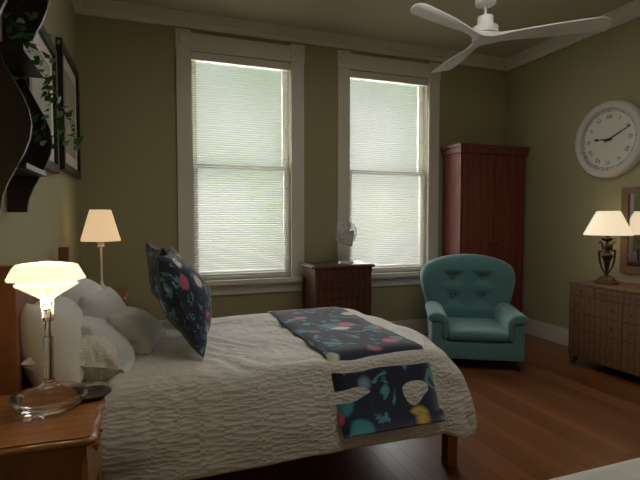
9:11
